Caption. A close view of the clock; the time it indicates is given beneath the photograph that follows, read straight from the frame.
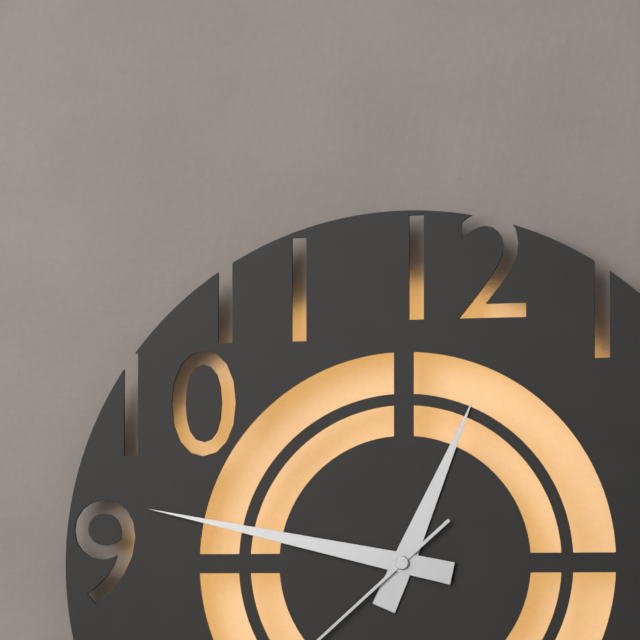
12:47
